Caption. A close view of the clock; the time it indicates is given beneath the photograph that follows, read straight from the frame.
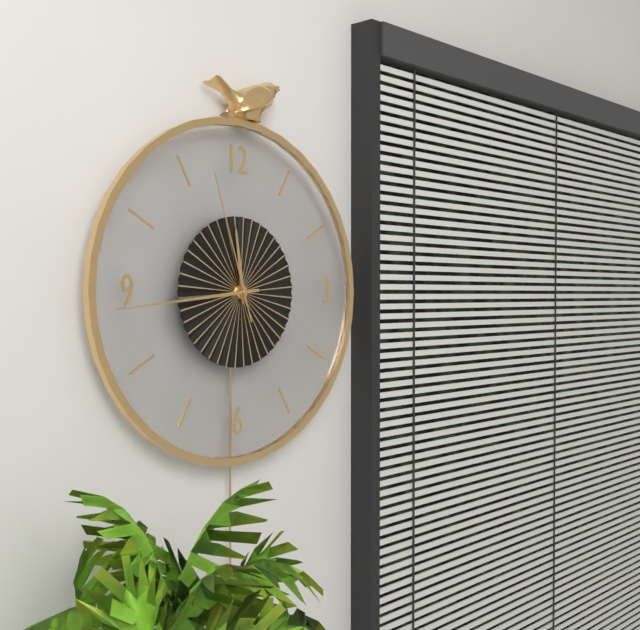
11:44:57
